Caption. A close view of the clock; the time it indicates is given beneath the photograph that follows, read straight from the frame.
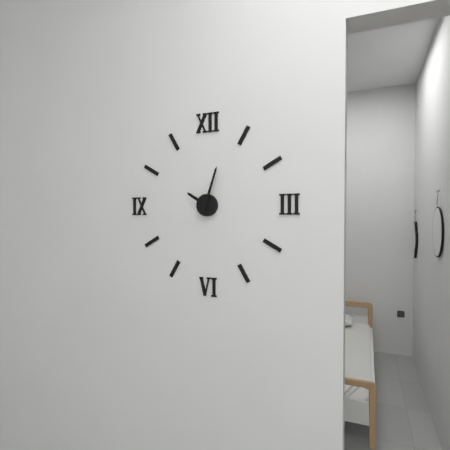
10:03
